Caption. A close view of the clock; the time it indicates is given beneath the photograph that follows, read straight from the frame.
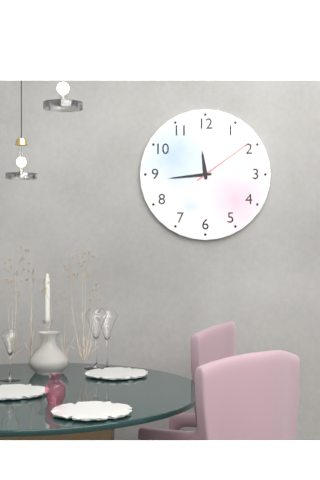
11:44:09
